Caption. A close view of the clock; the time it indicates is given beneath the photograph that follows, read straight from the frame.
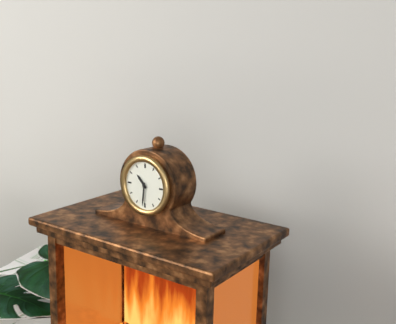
10:31
